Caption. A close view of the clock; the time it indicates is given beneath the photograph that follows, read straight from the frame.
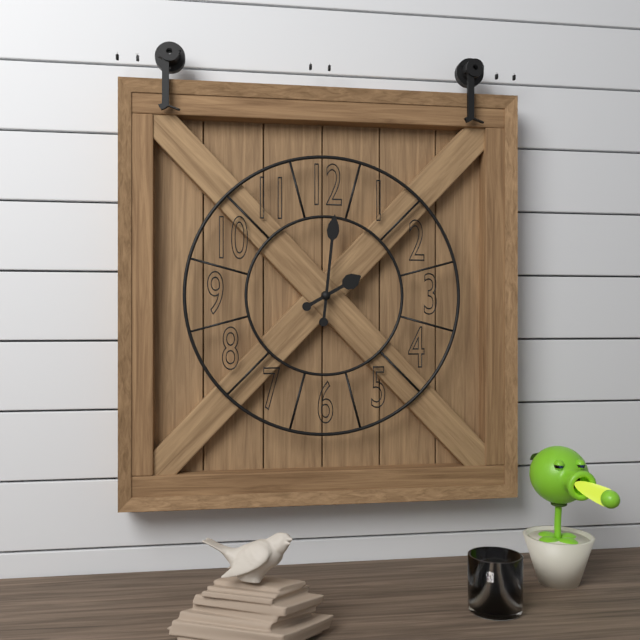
2:01
